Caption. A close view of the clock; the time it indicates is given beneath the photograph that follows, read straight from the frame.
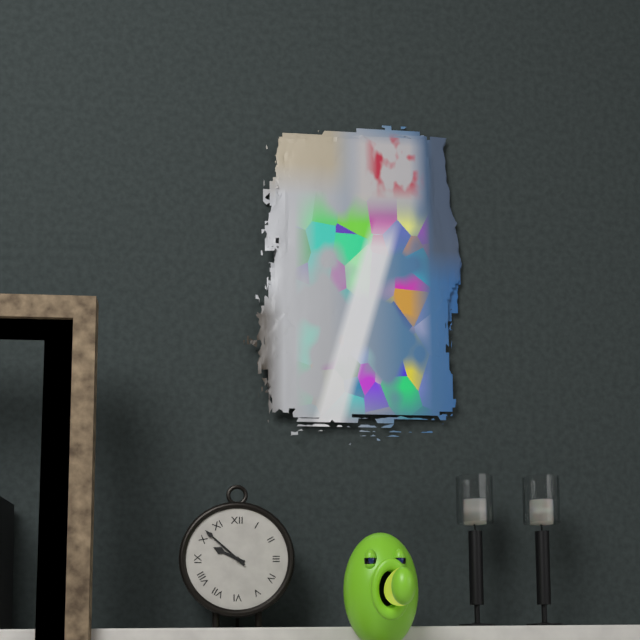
9:52
